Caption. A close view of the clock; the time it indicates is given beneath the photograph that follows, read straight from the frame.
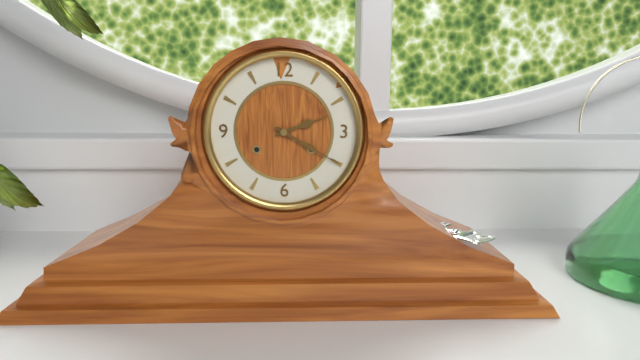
2:20
